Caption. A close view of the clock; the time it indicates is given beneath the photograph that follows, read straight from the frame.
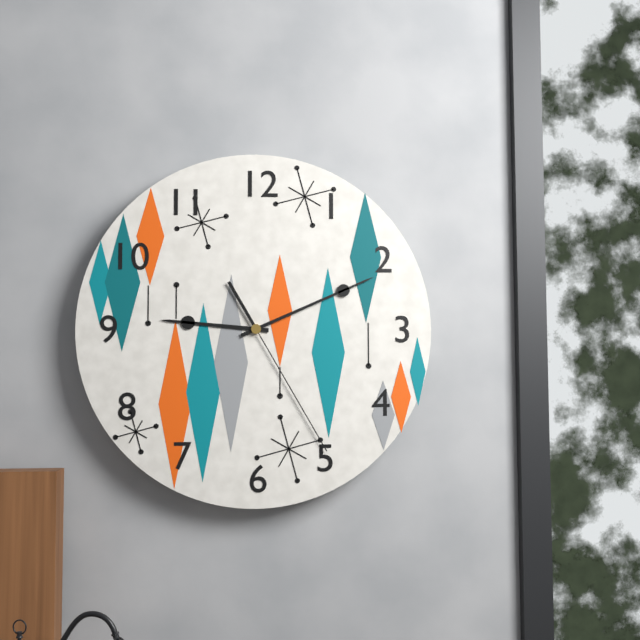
9:11:25
